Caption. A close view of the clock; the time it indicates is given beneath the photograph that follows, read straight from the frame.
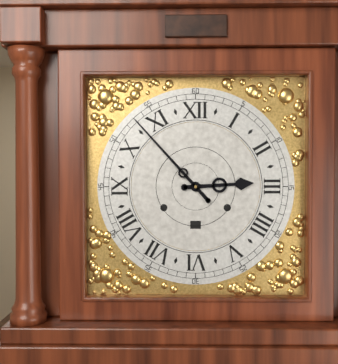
2:53
